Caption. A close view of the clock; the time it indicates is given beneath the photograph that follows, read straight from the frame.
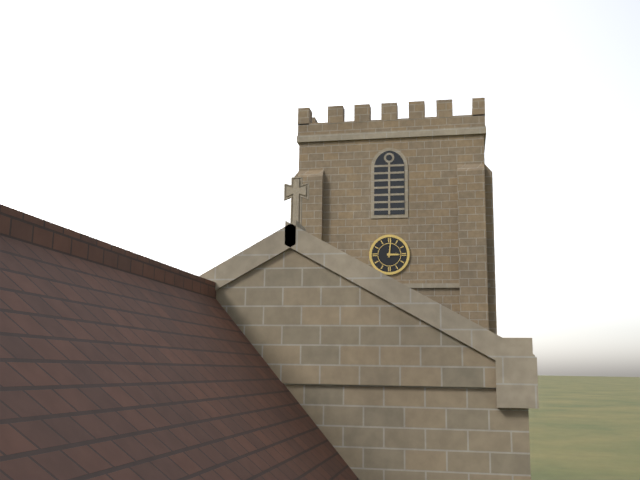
3:01
